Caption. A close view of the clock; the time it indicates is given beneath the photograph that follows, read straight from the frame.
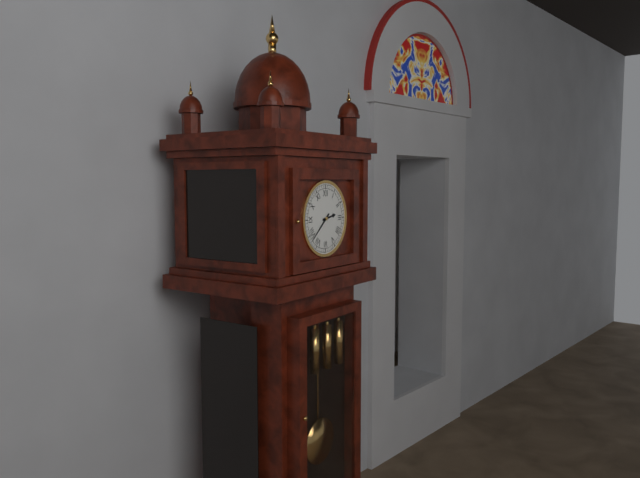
2:38
